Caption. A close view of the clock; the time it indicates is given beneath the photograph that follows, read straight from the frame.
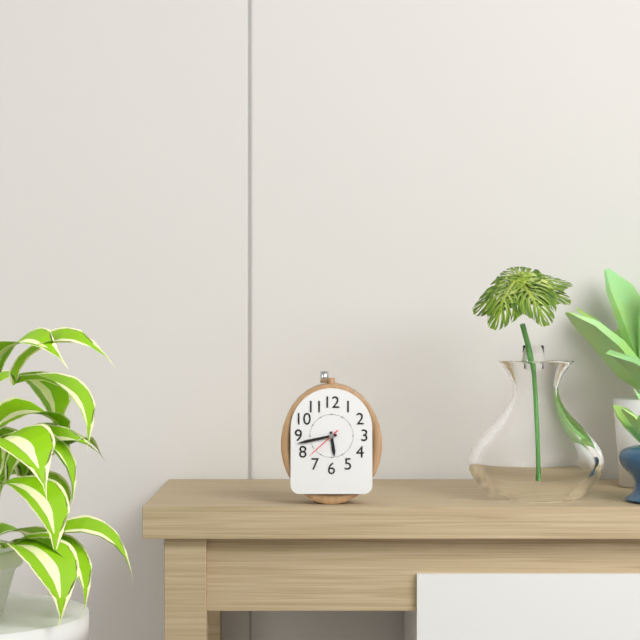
5:43
